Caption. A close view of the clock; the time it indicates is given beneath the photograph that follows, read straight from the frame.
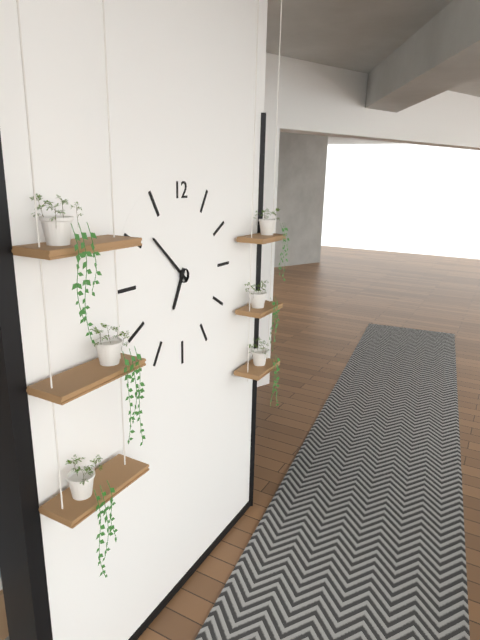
6:52
